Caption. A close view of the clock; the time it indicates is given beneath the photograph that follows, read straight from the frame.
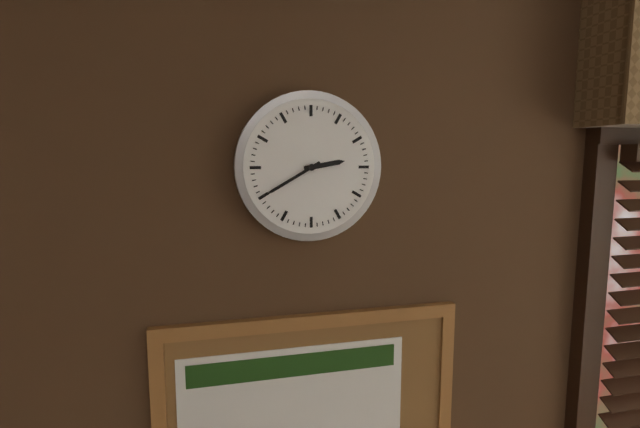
2:40
